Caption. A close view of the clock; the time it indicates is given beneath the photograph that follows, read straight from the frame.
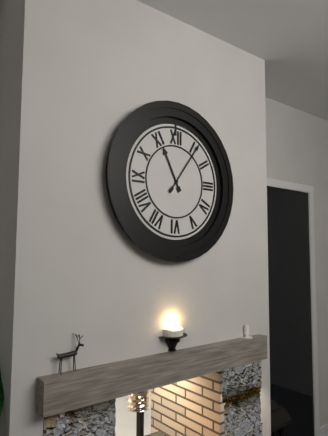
11:06
